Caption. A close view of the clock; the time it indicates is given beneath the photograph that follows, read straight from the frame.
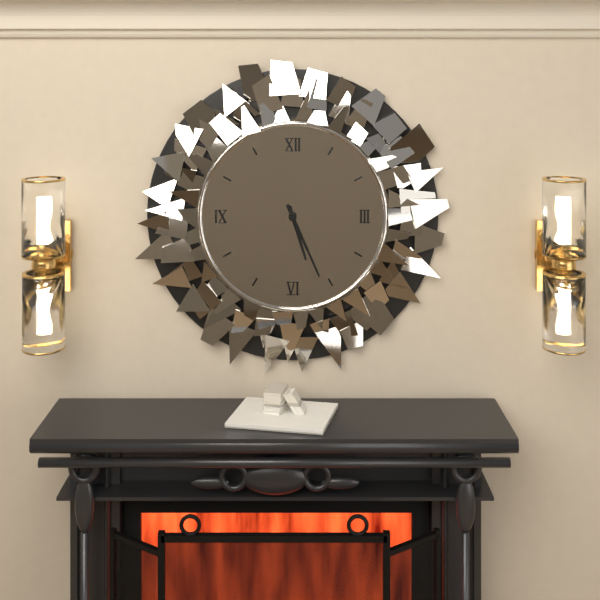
5:26
